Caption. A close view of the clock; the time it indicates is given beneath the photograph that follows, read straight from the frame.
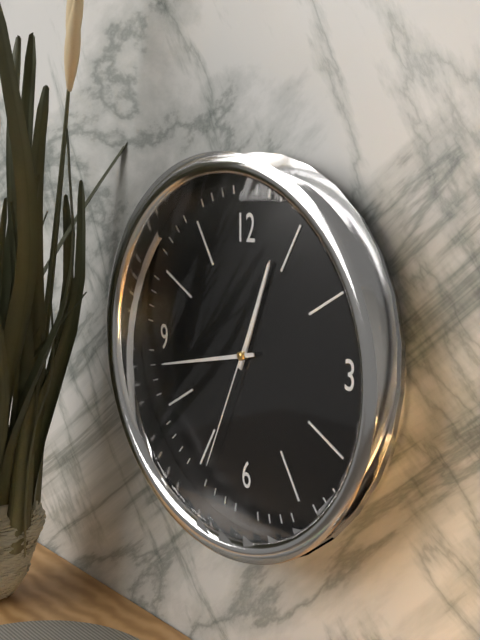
12:43:34
